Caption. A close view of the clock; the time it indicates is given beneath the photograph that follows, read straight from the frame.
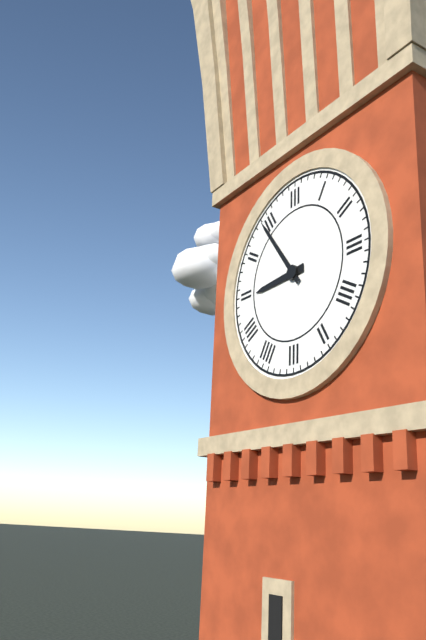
8:54
